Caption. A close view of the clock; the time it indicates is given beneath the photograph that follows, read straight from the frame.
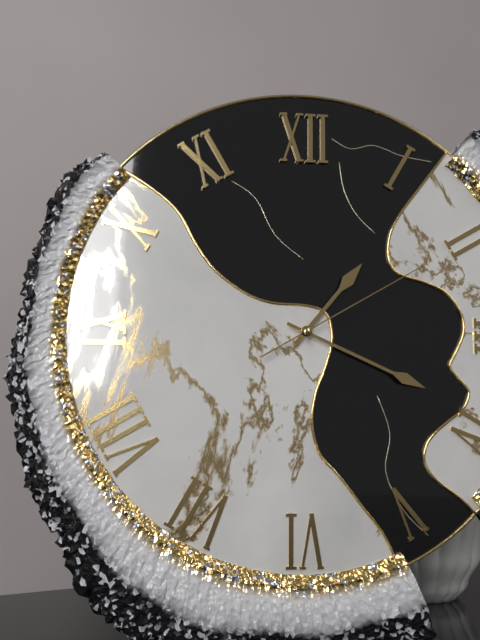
1:19:10
